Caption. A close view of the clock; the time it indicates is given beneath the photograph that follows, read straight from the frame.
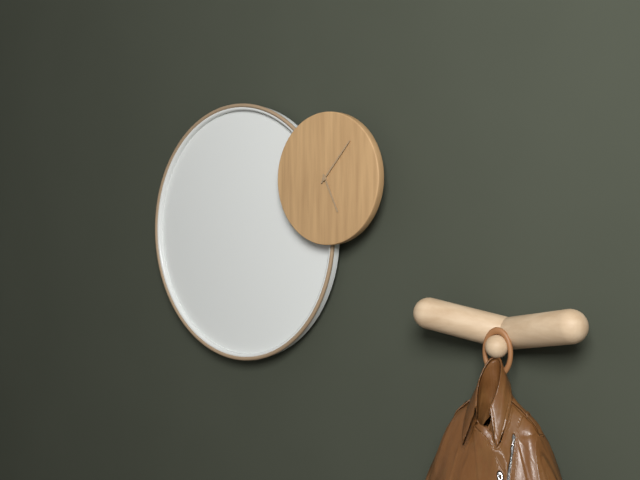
5:07
